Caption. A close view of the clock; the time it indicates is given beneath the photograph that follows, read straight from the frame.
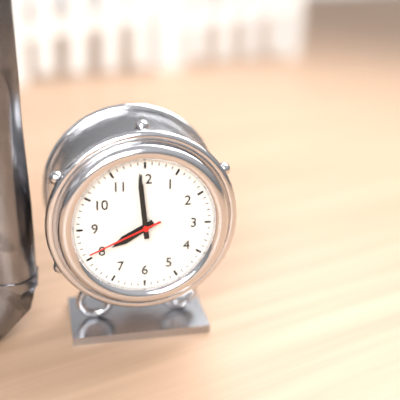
7:59:41
